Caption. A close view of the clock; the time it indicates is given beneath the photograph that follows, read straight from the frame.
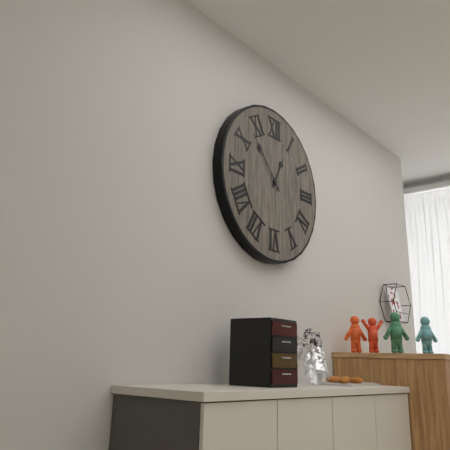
12:53
